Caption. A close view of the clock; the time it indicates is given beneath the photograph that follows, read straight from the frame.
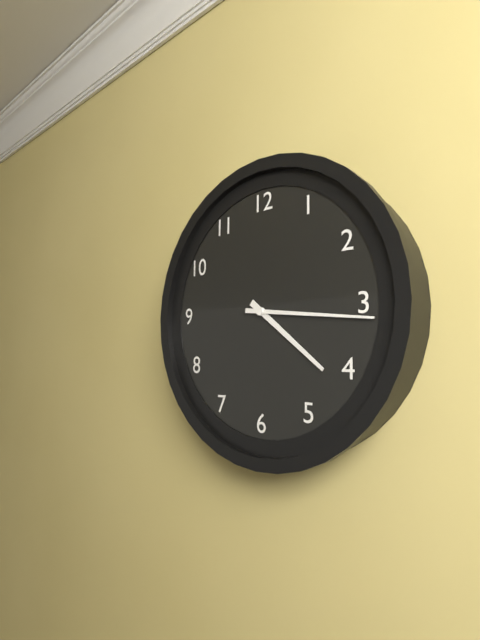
4:16
